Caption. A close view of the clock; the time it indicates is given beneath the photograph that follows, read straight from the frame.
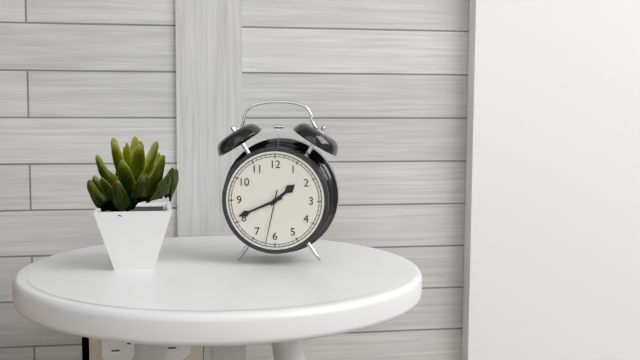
1:41:32
